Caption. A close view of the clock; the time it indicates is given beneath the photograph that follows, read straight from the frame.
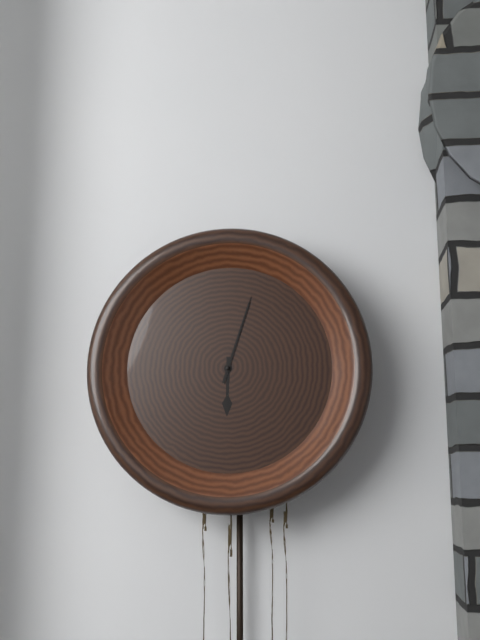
6:03
